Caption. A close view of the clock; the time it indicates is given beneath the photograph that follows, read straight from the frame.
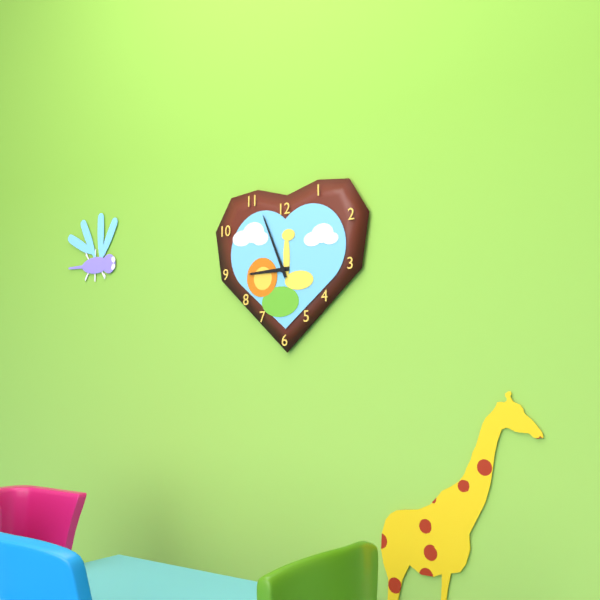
8:56
